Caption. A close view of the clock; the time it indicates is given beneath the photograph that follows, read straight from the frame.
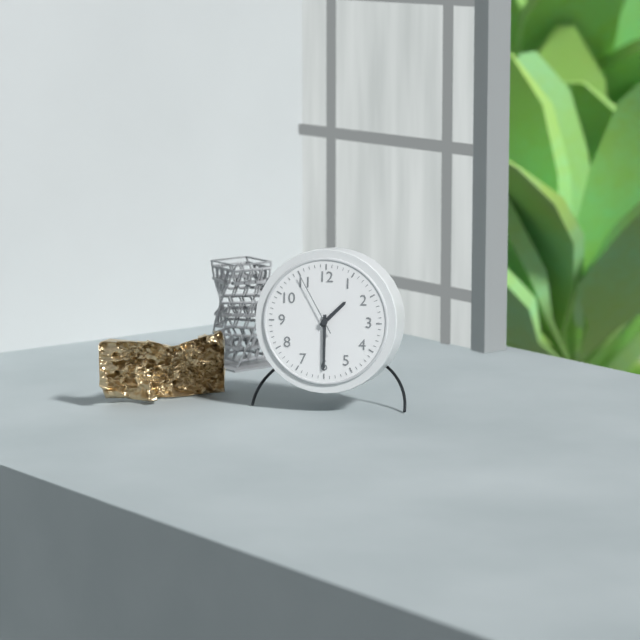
1:30:55
